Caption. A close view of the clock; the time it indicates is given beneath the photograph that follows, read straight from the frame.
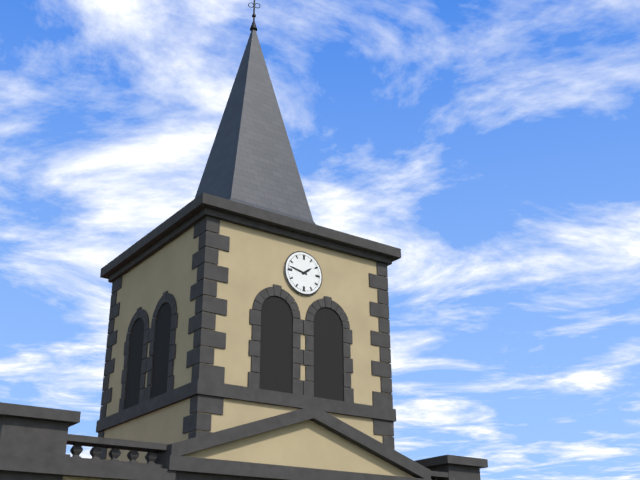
1:47
